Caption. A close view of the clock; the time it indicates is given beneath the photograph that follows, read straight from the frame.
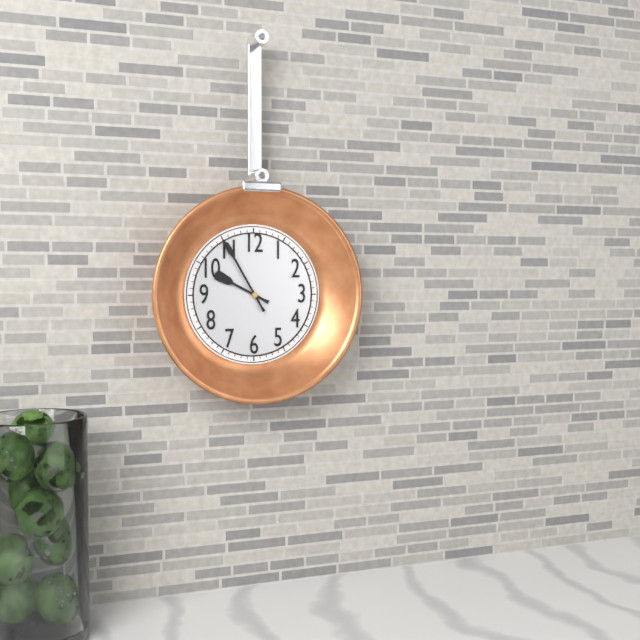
9:55
